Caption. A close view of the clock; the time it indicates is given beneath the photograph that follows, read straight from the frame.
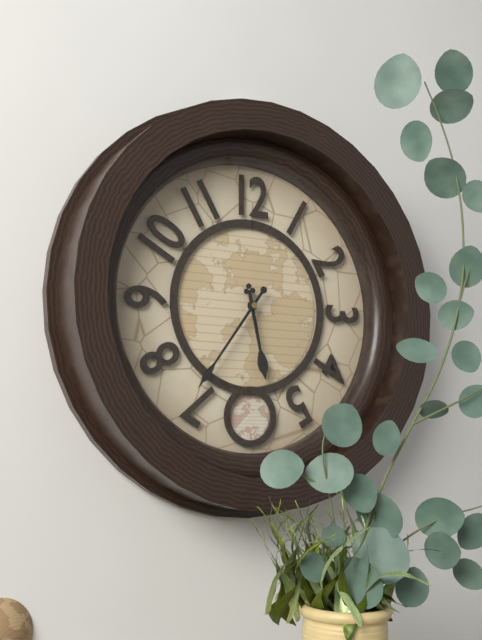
5:36
